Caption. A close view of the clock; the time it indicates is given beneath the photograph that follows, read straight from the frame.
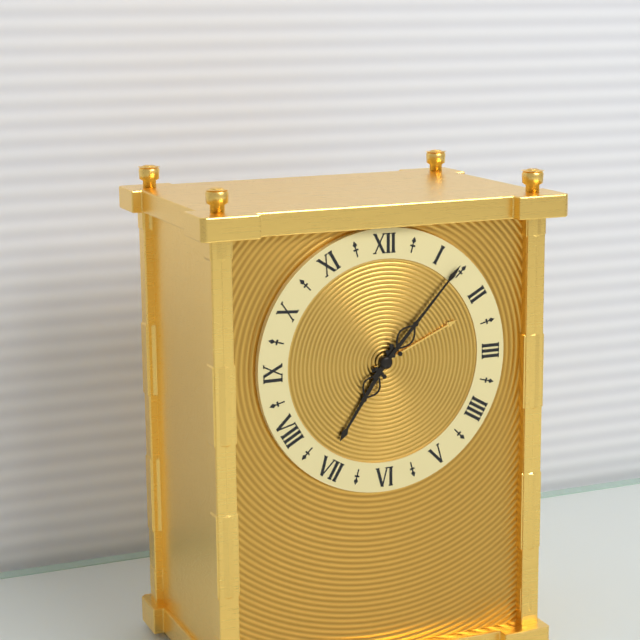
7:07
